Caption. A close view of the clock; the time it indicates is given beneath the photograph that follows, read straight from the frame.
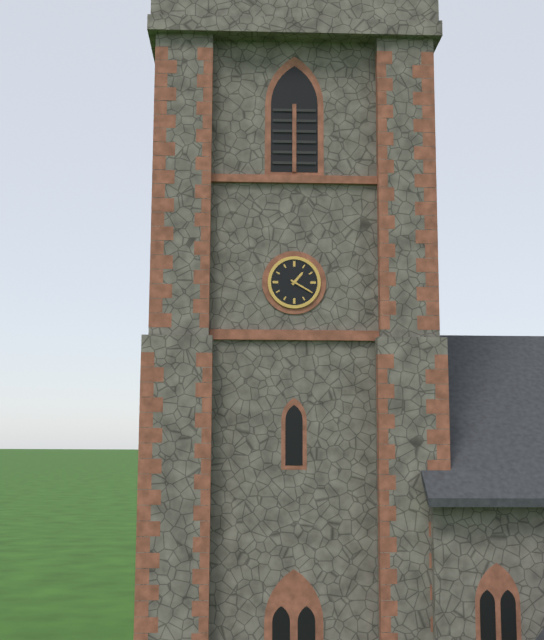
1:20
